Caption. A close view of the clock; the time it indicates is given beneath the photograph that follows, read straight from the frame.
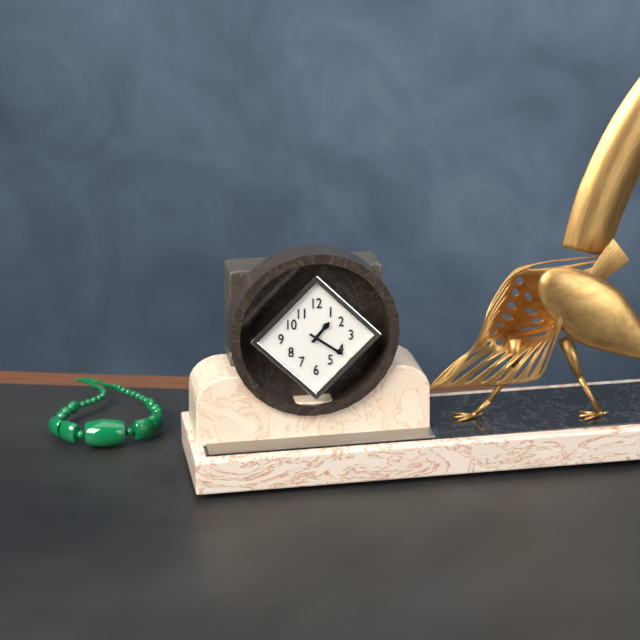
1:21
